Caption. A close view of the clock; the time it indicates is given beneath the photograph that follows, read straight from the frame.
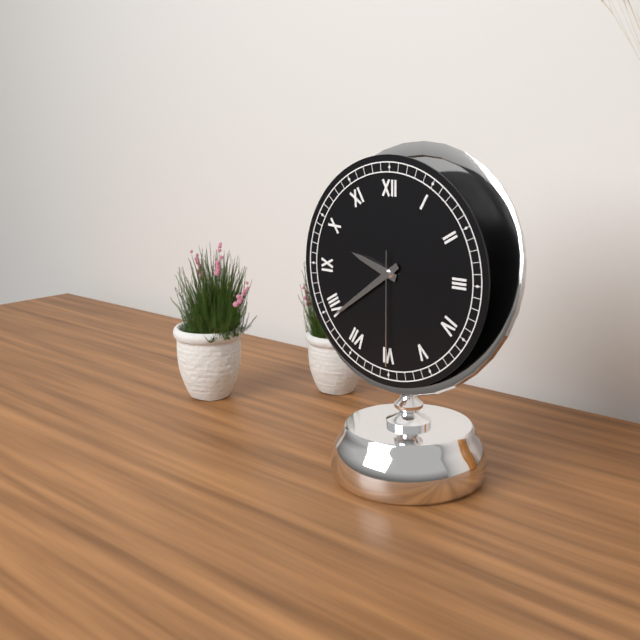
9:39:30
